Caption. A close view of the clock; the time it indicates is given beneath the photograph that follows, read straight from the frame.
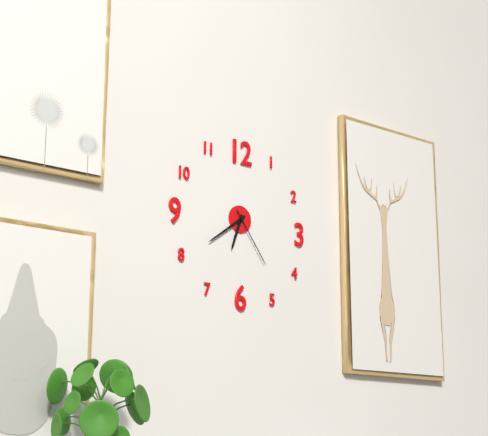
6:39:24
